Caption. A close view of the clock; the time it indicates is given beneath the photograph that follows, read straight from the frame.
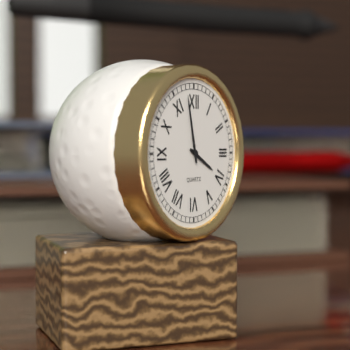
3:58
